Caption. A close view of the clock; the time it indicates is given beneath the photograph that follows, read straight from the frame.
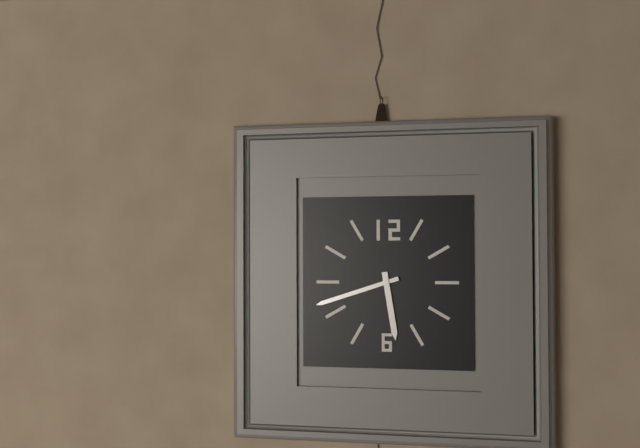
5:42
